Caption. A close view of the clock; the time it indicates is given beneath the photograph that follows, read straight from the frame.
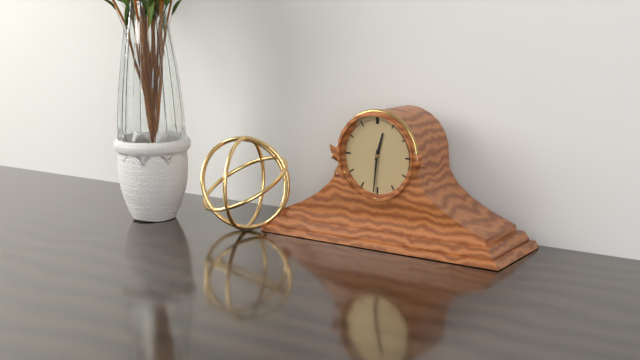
12:31
